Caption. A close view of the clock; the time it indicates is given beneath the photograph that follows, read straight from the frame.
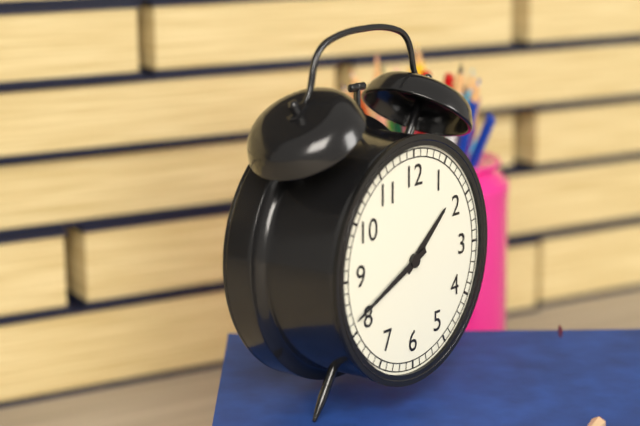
1:41
